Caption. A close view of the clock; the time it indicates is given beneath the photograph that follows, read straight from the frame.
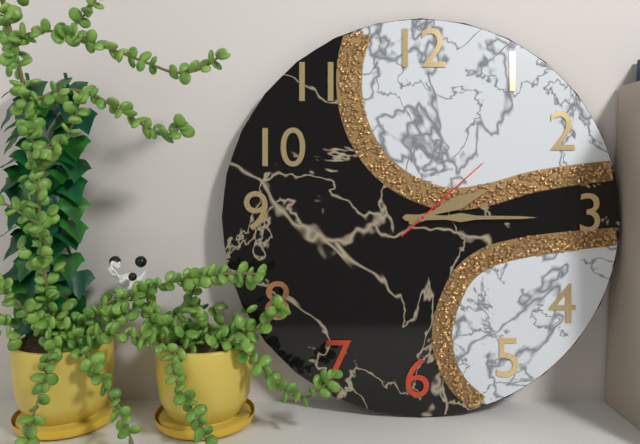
2:15:08
